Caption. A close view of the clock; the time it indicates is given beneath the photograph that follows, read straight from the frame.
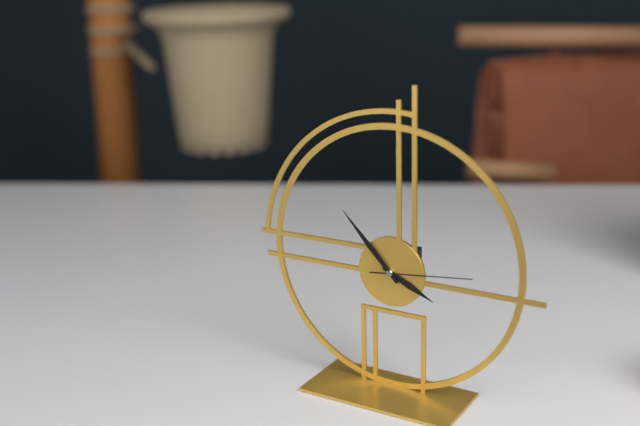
3:53:14
